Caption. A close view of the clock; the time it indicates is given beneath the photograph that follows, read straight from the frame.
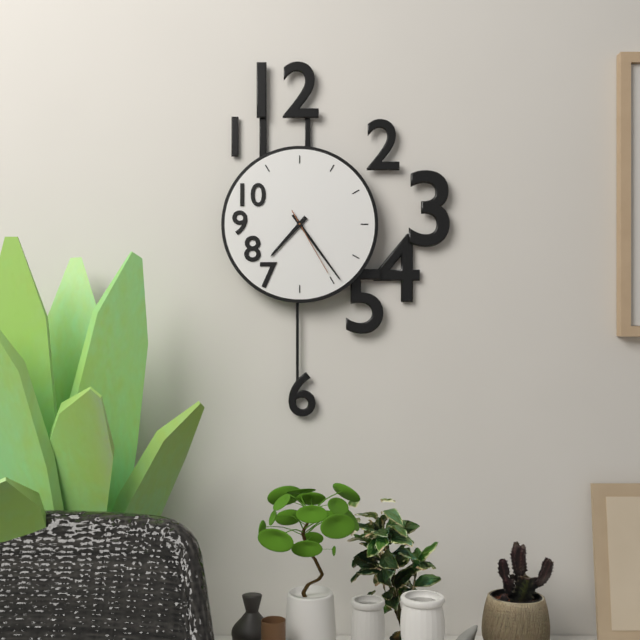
7:24:25
